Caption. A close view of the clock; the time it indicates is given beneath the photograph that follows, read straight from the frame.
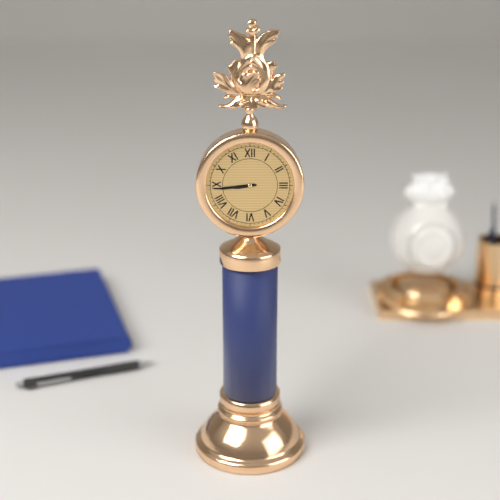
8:44
